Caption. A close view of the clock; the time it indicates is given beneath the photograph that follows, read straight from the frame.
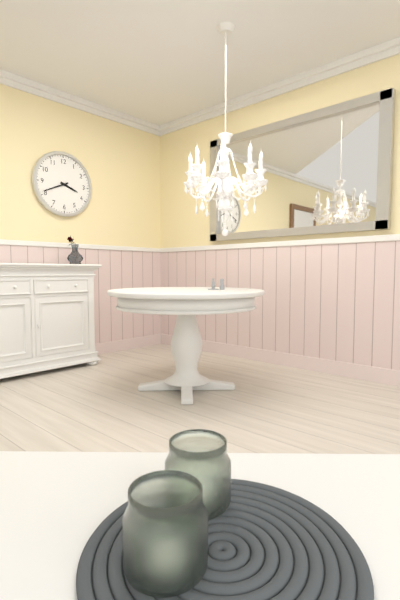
3:41
